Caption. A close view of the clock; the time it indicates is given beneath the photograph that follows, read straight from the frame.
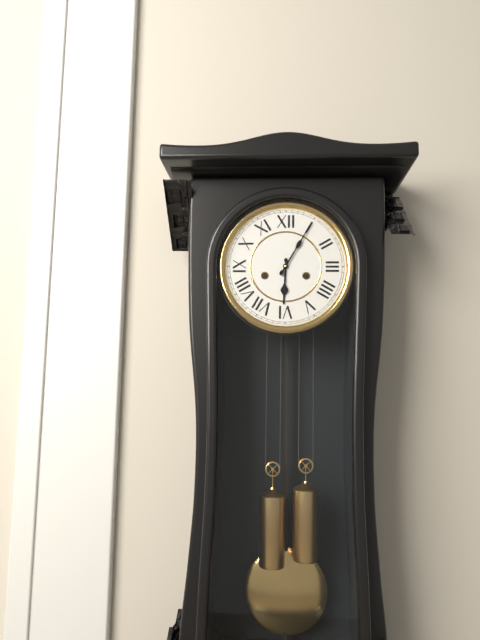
6:05
